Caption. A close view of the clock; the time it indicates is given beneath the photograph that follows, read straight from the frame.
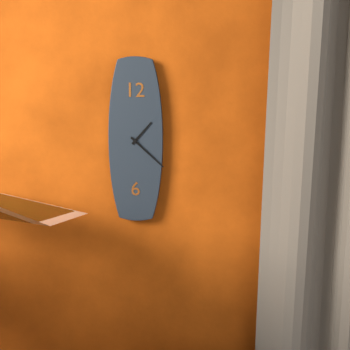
1:22
